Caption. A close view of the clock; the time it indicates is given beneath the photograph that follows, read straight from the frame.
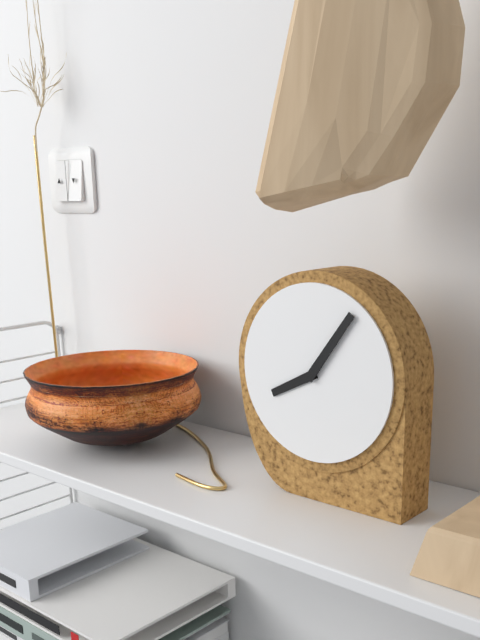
8:06
